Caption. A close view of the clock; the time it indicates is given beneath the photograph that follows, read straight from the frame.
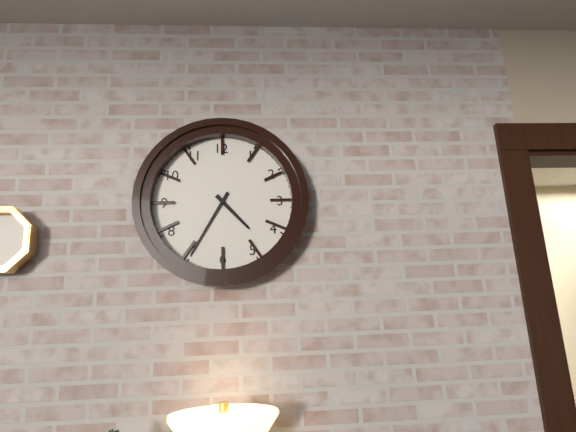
4:35
